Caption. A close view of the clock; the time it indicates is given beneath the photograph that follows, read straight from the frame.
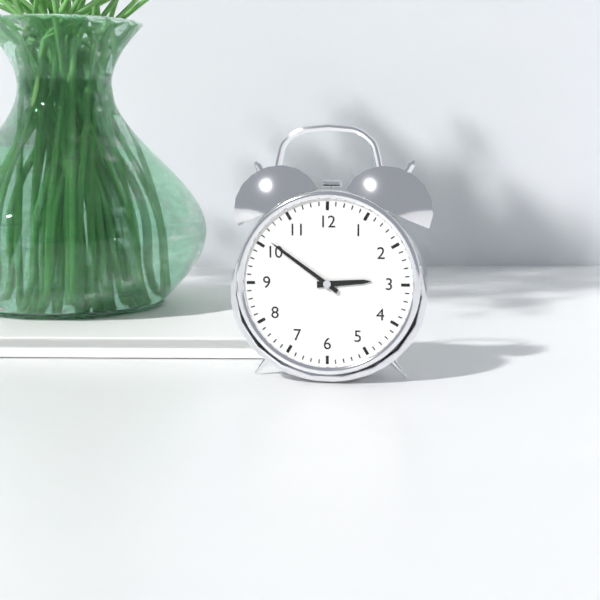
2:51
